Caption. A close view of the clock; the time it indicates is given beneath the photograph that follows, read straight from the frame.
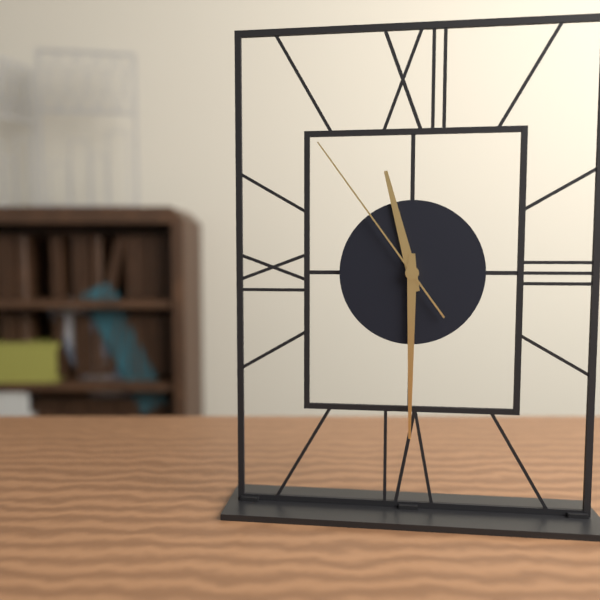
11:30:54
